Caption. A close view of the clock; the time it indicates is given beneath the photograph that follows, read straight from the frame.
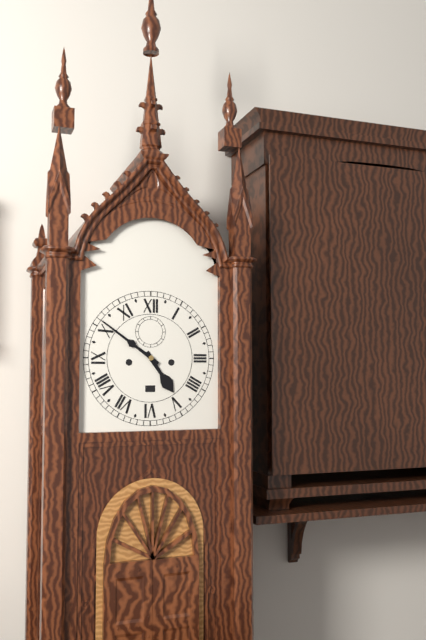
4:51
